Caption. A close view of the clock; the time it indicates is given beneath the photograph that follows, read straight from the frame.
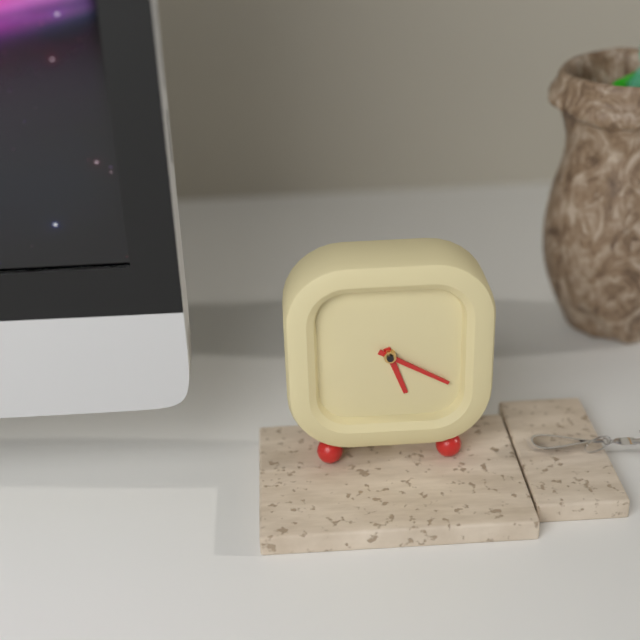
5:20
